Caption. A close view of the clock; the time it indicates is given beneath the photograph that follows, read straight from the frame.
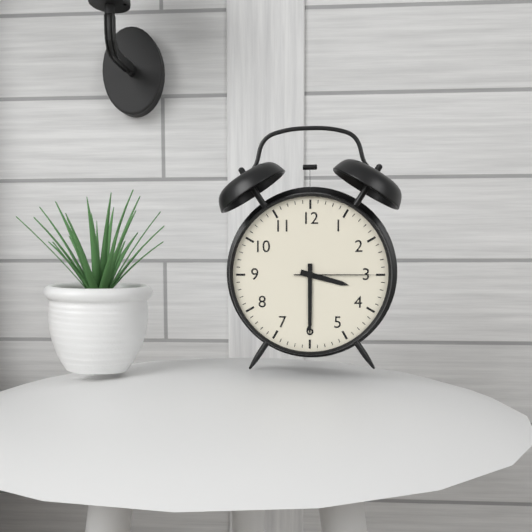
3:30:15
